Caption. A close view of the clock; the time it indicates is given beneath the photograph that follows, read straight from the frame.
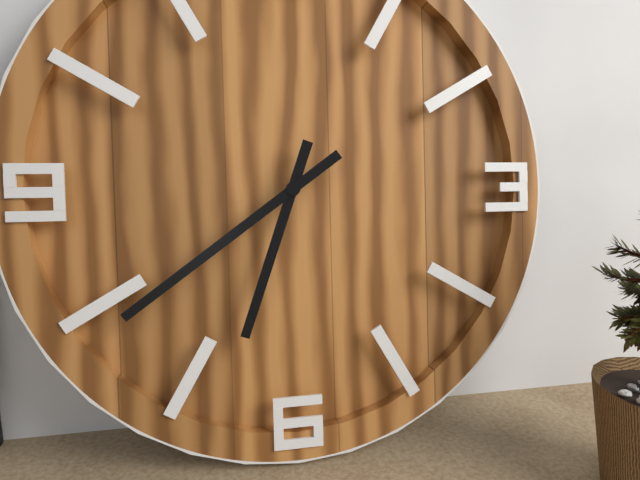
6:39
